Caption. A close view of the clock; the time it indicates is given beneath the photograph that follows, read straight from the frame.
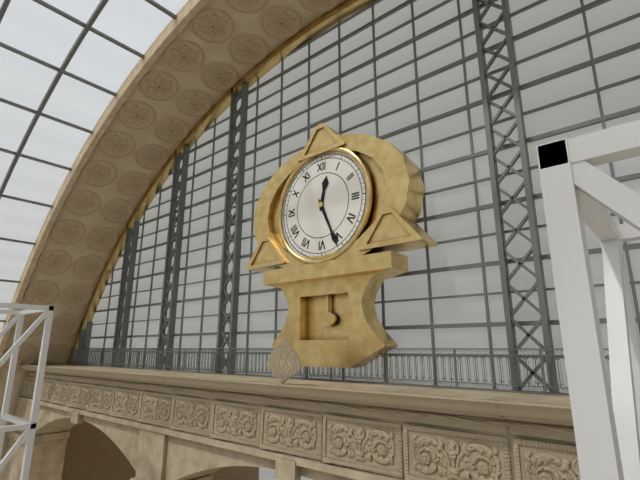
12:26
